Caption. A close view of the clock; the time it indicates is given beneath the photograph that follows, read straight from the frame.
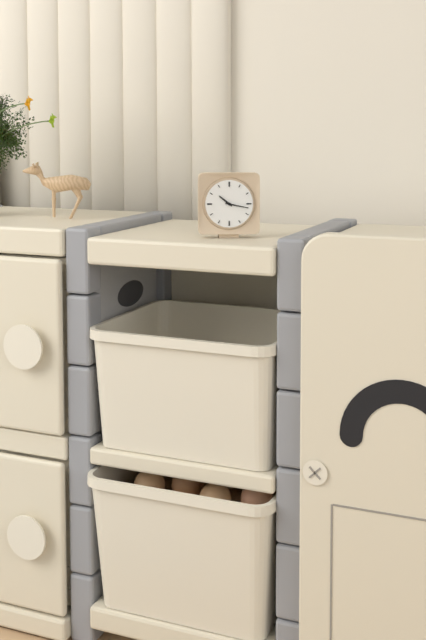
10:17
